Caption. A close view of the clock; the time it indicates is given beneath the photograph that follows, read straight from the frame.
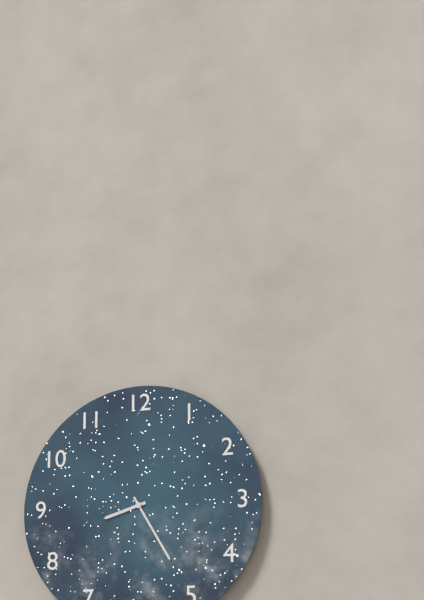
8:25
